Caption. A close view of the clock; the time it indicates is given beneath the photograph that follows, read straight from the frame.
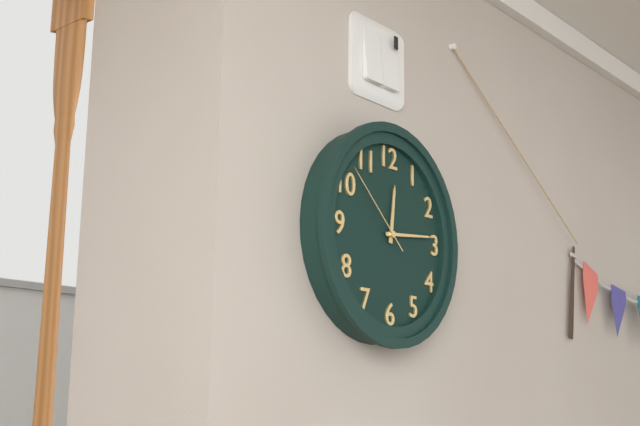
12:14:52
